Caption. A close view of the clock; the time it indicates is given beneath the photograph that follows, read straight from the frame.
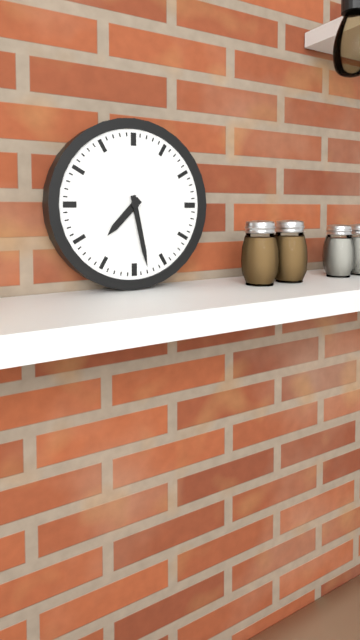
7:28
